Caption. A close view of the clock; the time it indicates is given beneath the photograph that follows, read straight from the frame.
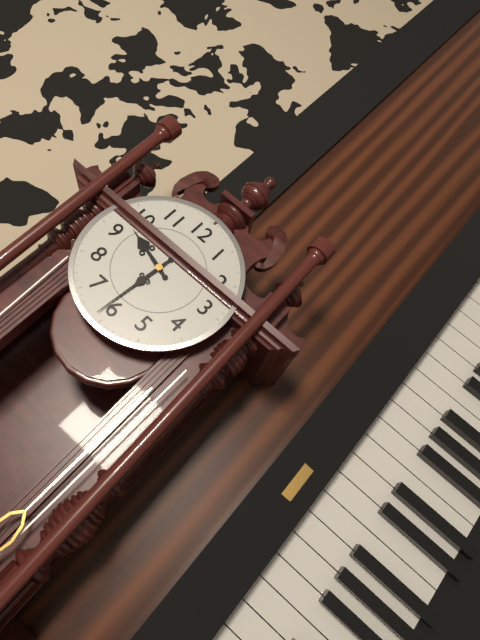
9:31
